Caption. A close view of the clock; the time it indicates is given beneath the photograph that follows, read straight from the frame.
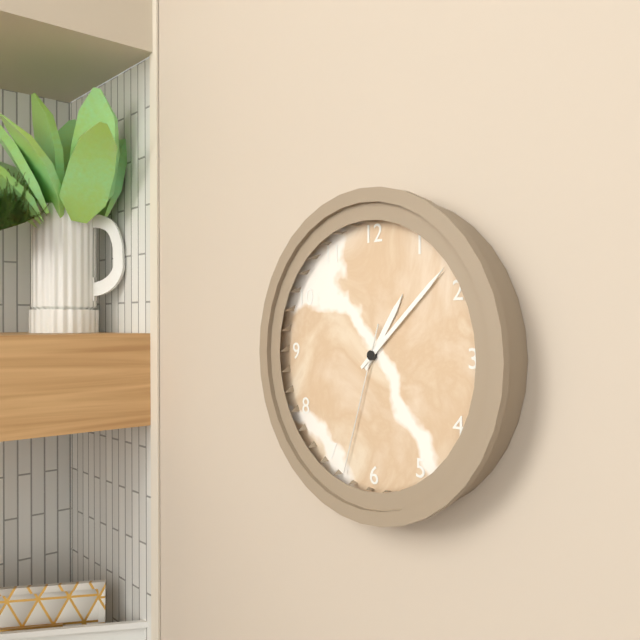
1:08:33
